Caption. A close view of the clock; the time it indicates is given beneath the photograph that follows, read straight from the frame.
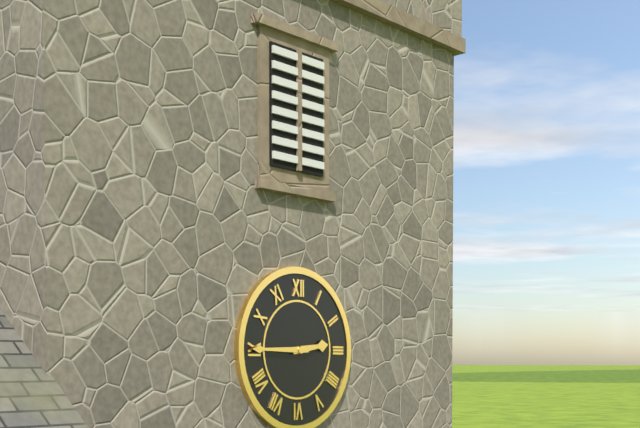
2:45
